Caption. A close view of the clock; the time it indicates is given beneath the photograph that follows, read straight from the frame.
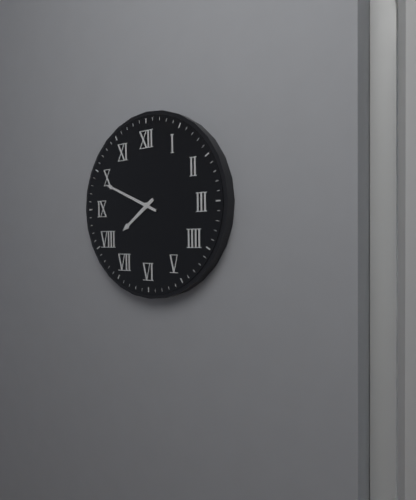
7:49
